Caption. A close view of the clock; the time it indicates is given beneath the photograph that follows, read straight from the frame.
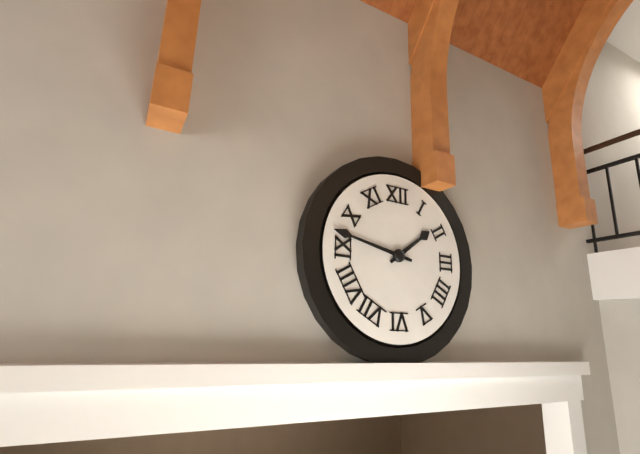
1:47
